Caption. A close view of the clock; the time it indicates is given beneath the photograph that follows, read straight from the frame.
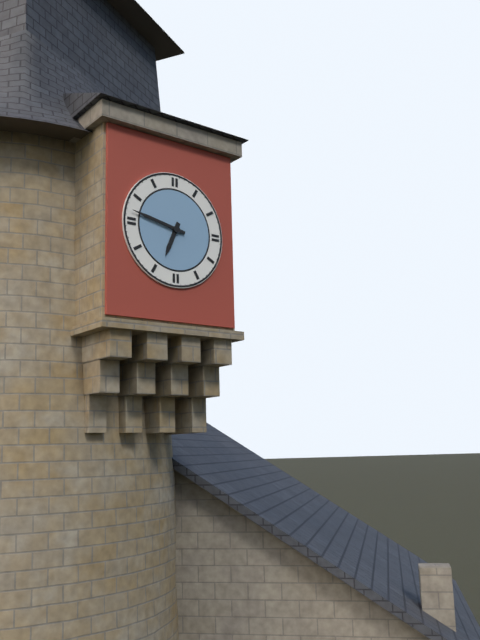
6:47
